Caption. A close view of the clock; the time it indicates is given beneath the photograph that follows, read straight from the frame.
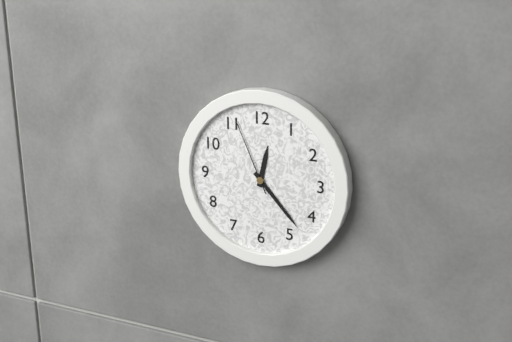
12:23:56
